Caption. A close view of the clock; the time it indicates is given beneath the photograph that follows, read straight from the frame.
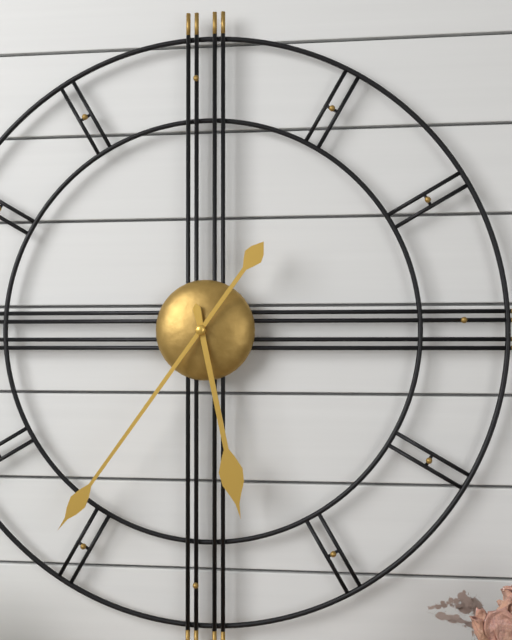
5:36
